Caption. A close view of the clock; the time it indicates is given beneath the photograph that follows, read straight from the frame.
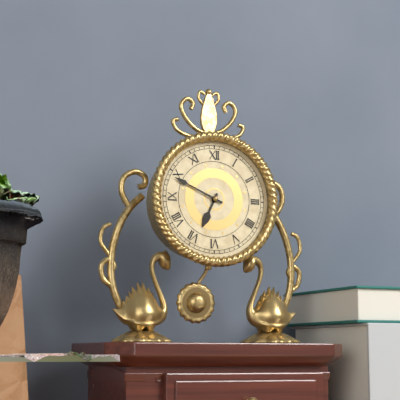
6:49
